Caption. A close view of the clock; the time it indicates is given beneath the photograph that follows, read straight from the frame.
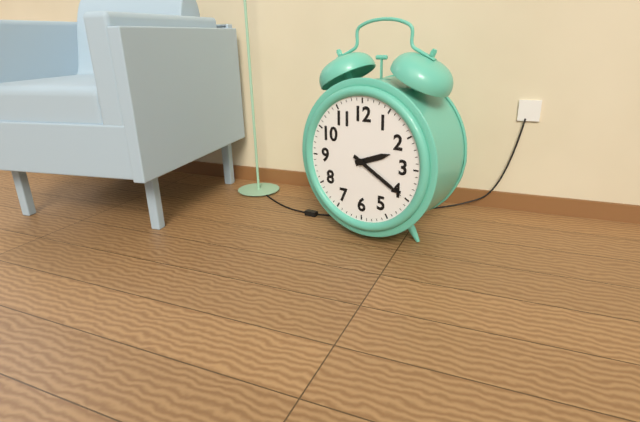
2:20
